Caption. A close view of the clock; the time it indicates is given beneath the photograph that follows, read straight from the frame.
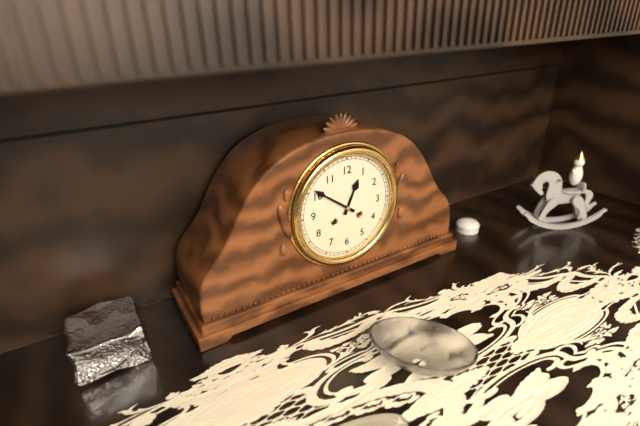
12:51
